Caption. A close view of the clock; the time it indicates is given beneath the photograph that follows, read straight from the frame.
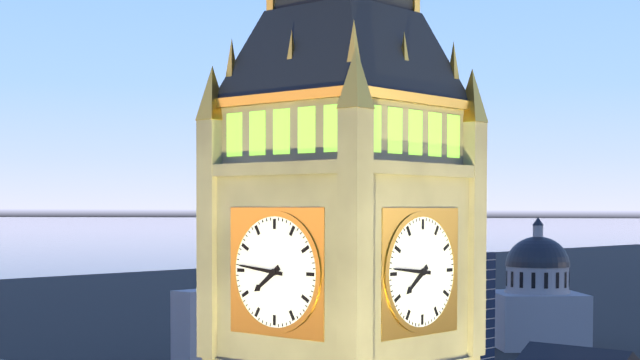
7:46
